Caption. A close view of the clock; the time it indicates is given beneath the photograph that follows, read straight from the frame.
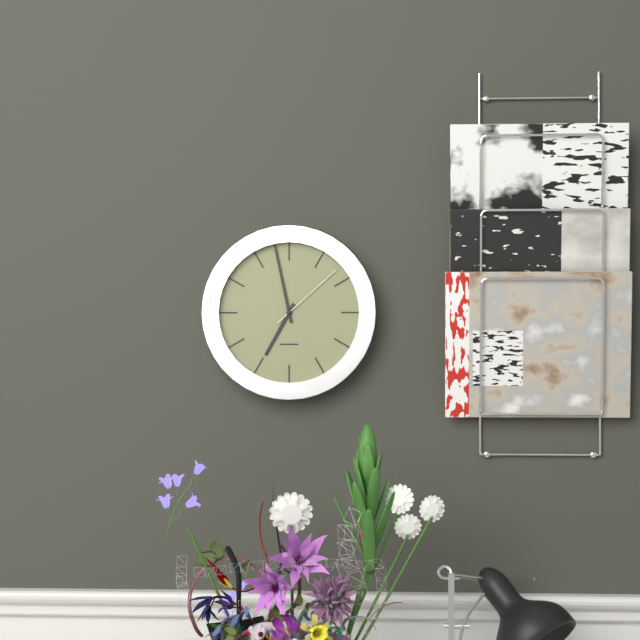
6:58:08
